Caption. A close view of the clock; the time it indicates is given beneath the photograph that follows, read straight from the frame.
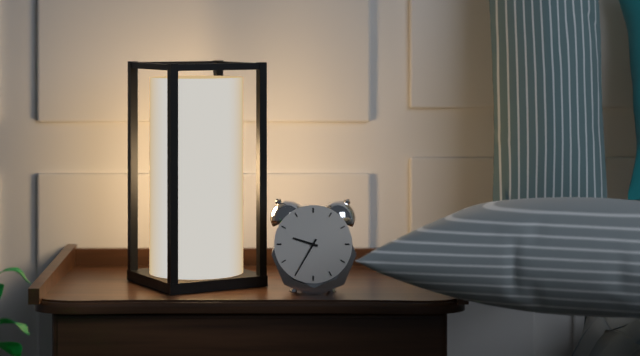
9:35
